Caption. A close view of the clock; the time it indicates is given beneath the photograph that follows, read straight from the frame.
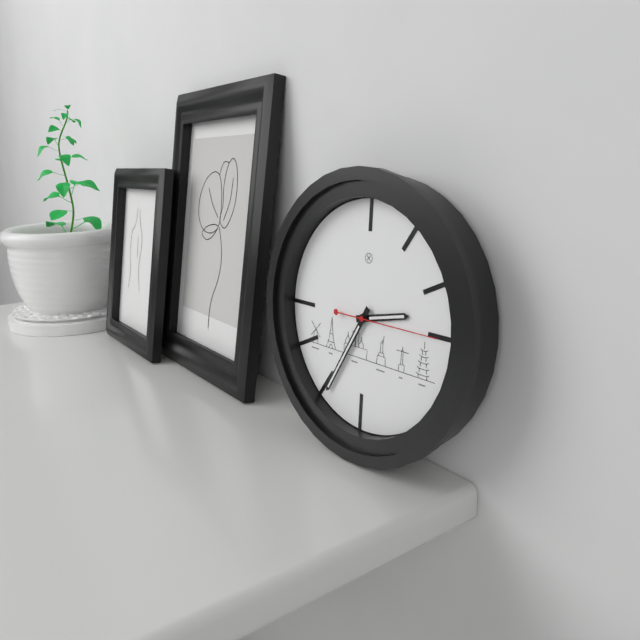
2:35:15
